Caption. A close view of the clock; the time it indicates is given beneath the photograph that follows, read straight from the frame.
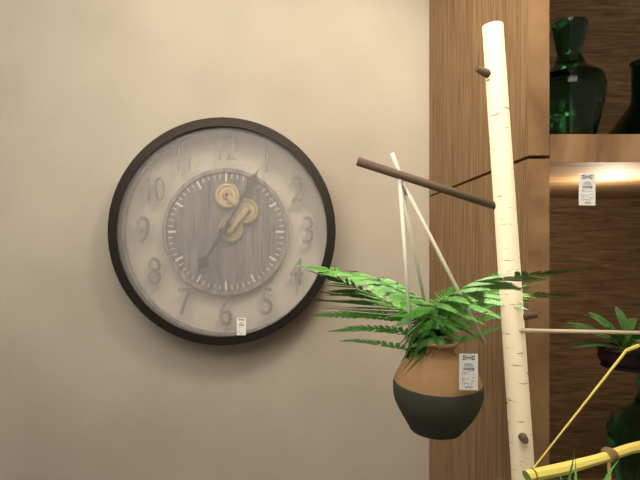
7:05
